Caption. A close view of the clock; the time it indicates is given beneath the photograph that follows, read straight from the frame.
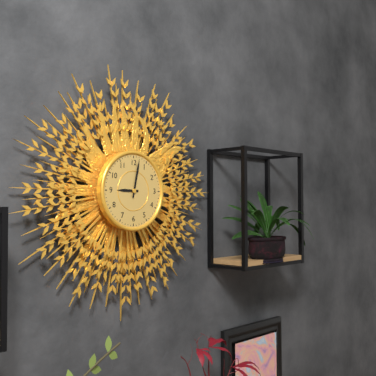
9:02
